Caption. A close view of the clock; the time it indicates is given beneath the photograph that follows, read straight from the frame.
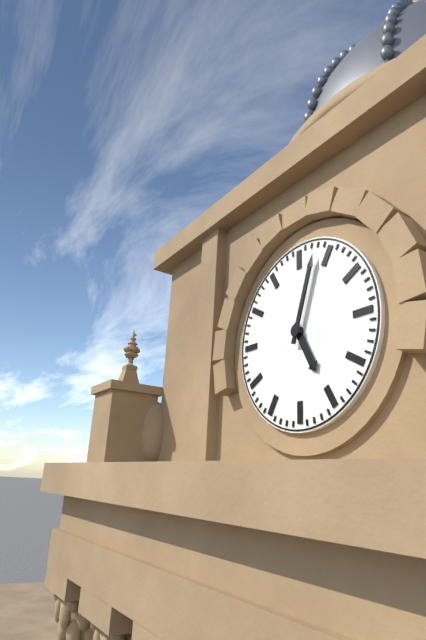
5:03
